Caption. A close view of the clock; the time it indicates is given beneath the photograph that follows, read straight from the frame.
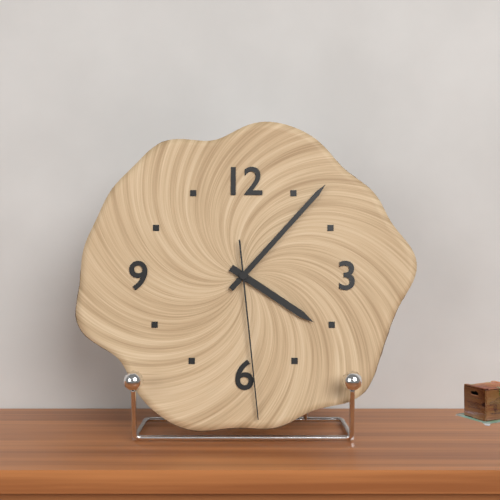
4:07:29
